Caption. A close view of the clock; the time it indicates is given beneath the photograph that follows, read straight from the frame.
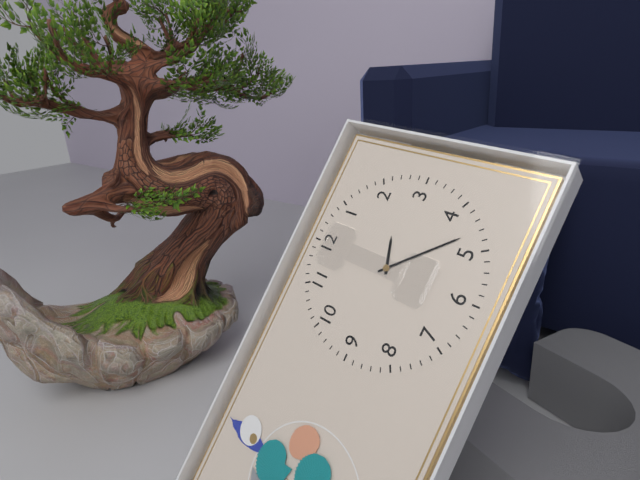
2:23
